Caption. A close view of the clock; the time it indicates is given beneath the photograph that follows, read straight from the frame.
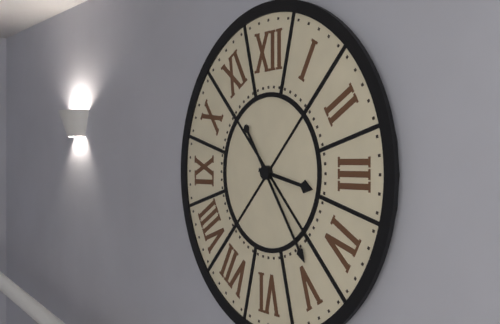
3:24
